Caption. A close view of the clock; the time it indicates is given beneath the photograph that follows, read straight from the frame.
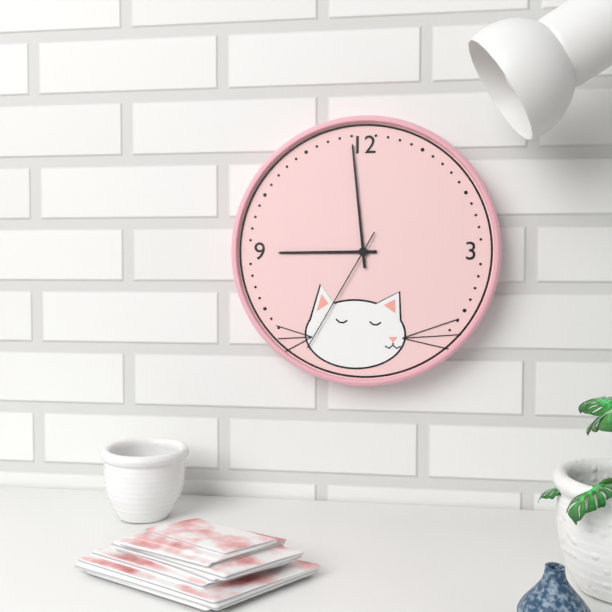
8:59:35
